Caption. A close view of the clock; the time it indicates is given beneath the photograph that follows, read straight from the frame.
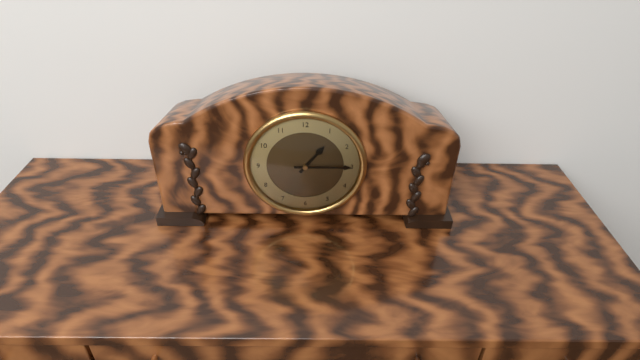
1:15
